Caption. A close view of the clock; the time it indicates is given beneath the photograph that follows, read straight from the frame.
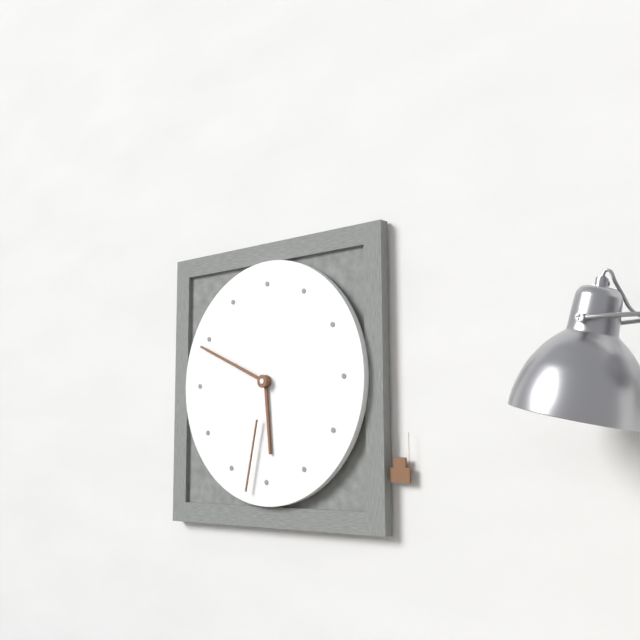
5:49:32
